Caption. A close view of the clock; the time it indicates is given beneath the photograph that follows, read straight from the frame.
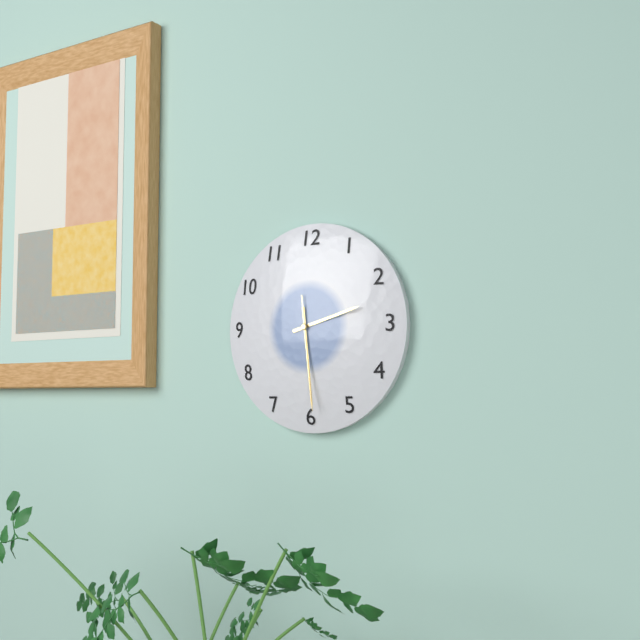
2:29:29
